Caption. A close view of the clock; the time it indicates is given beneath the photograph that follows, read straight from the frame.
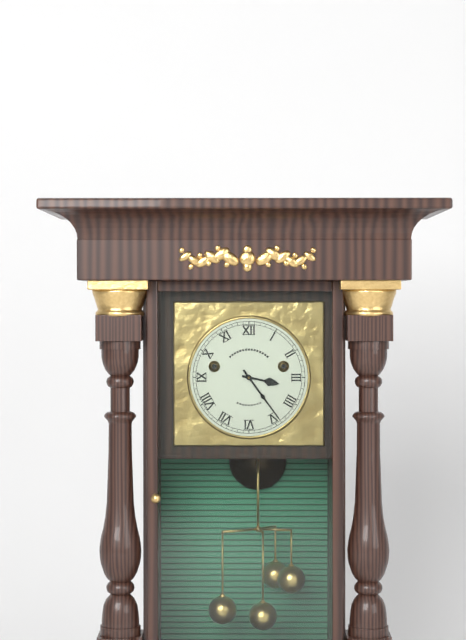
3:24
